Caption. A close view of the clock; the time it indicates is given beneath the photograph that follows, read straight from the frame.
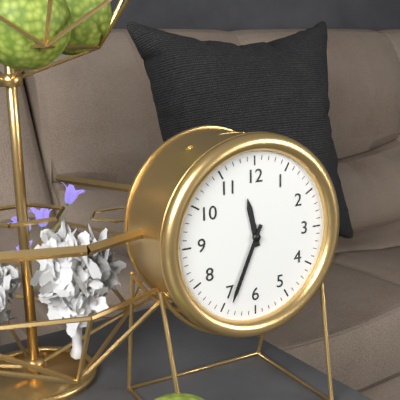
11:34
